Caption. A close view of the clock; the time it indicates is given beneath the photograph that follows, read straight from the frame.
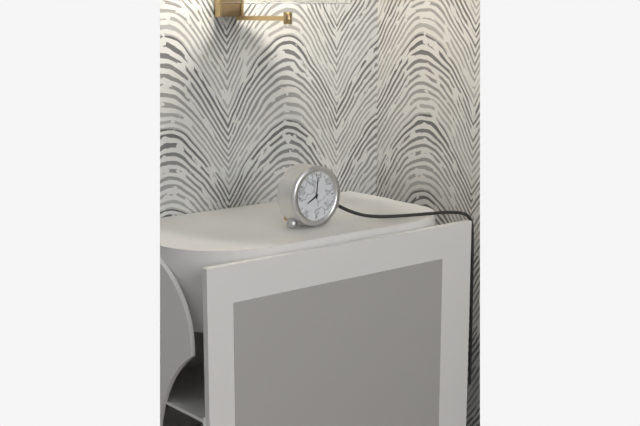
8:01
